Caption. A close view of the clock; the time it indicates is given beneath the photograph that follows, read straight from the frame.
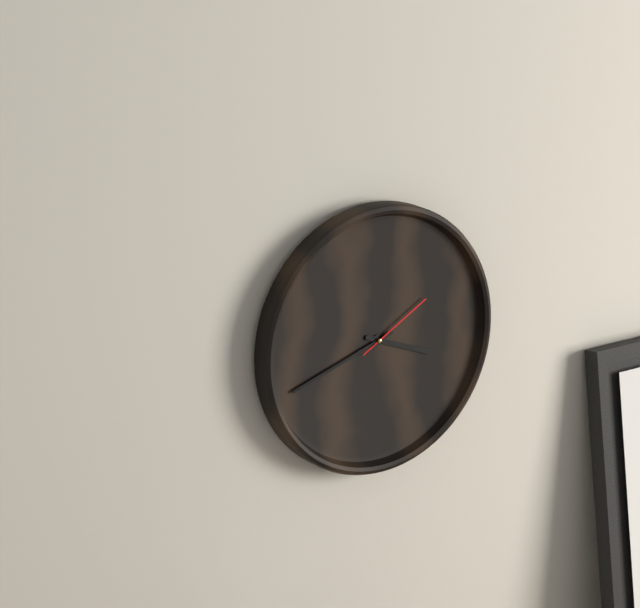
3:42:10
